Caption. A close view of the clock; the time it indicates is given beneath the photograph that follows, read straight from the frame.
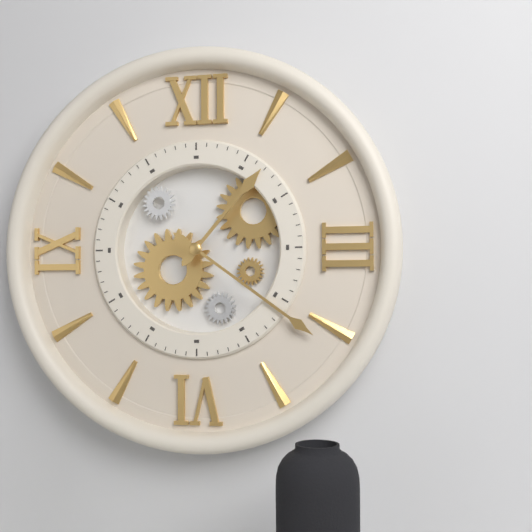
1:21
